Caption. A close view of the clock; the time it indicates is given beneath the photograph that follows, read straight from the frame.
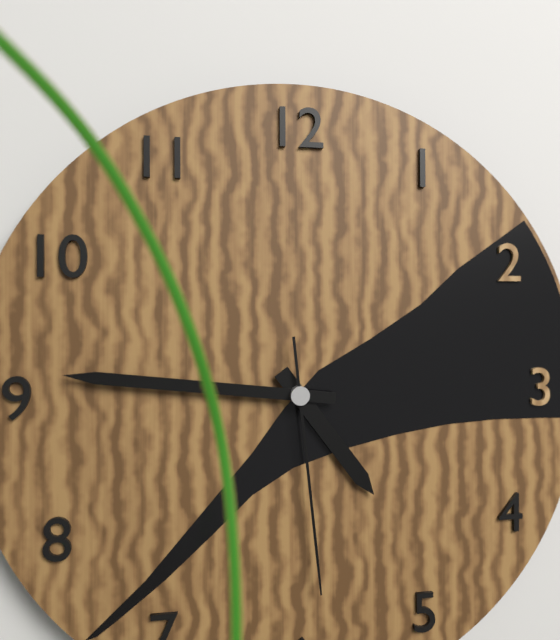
4:46:29
